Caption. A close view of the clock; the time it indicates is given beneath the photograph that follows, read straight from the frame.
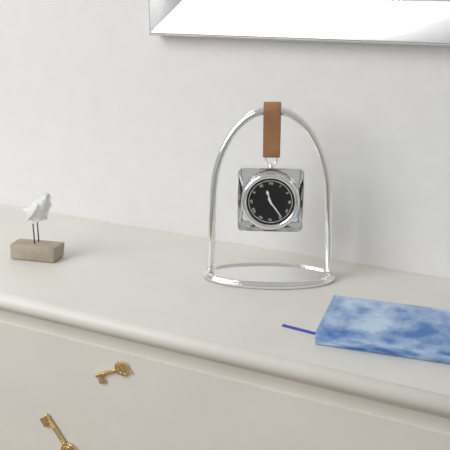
11:24
